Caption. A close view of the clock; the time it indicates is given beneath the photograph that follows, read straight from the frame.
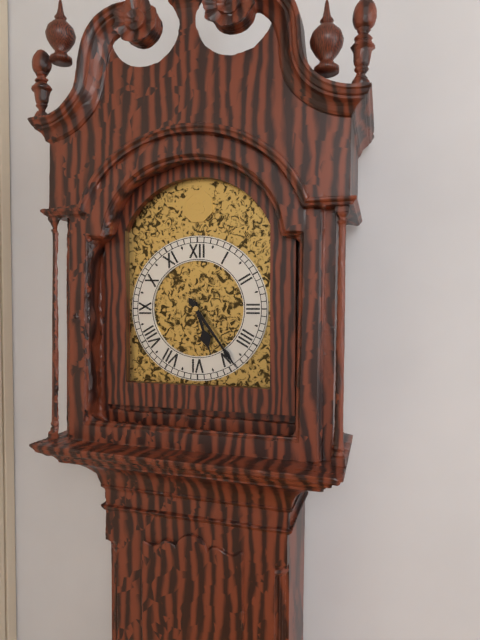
5:24
